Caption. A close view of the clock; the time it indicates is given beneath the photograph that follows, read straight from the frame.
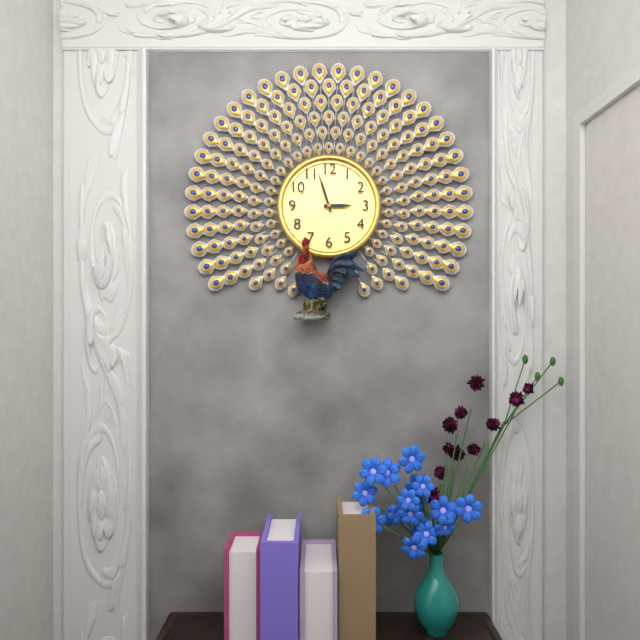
2:57
